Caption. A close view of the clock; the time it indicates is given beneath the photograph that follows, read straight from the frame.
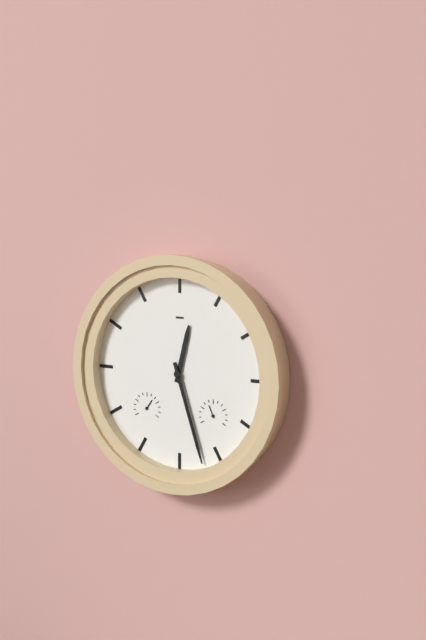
12:27
